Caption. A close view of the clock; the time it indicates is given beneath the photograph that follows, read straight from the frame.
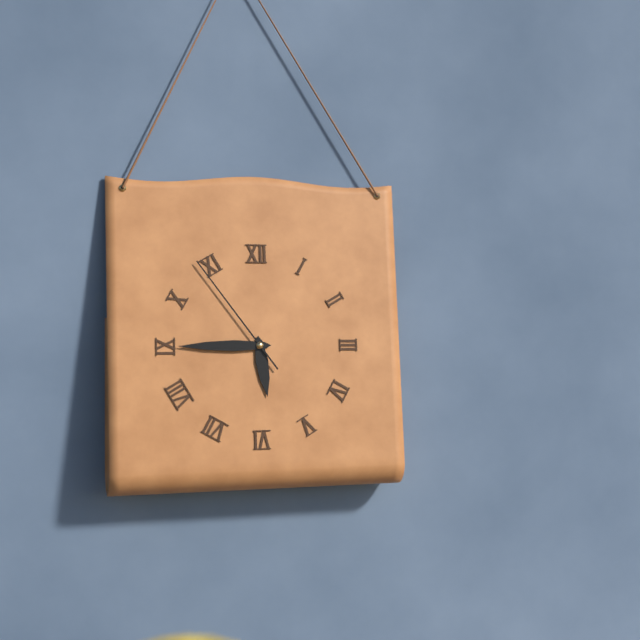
5:45:54
